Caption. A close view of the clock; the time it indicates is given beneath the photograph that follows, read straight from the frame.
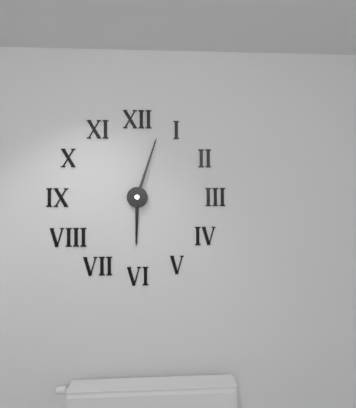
6:03
